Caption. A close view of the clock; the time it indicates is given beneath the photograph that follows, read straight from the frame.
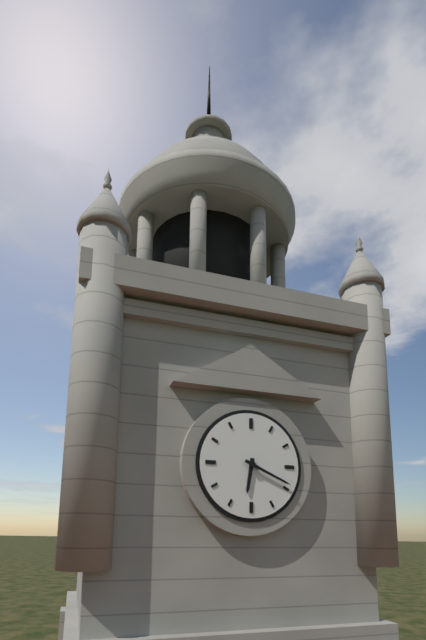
6:19
